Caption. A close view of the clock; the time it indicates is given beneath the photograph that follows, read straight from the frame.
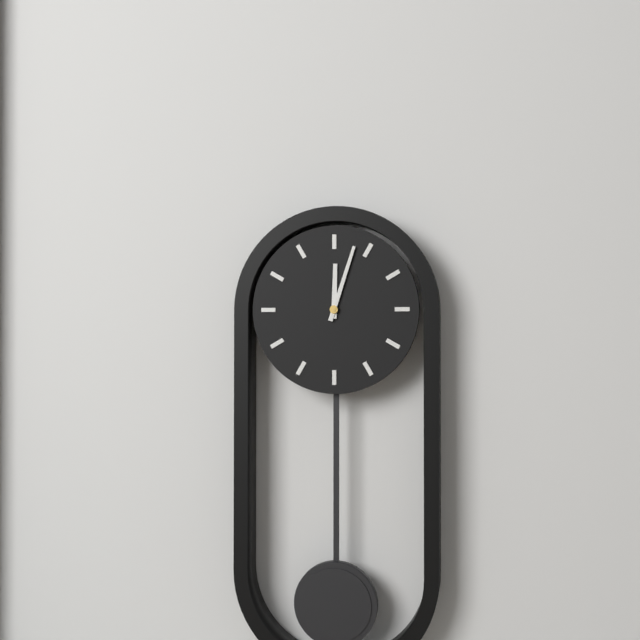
12:03
